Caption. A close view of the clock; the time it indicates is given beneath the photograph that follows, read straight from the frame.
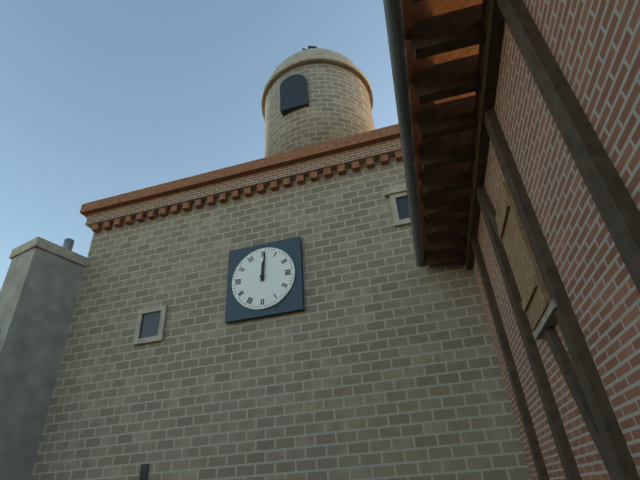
12:01
